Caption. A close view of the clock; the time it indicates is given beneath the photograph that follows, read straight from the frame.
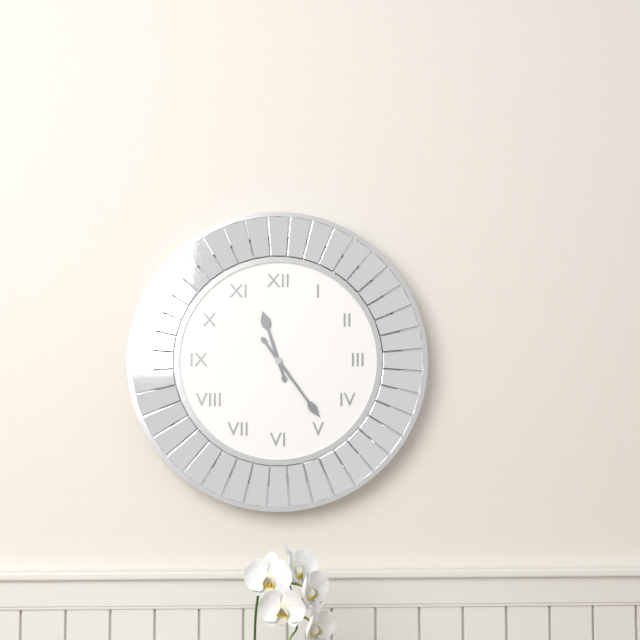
11:24
